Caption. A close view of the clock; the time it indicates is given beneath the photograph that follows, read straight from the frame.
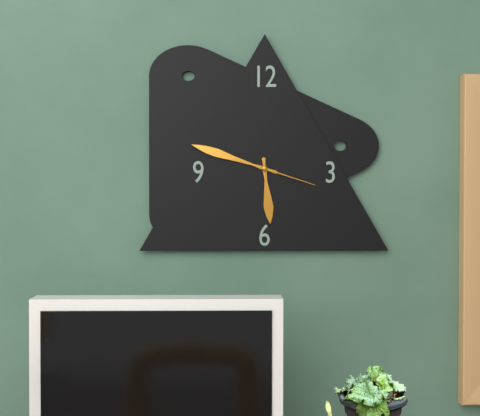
5:48:18
